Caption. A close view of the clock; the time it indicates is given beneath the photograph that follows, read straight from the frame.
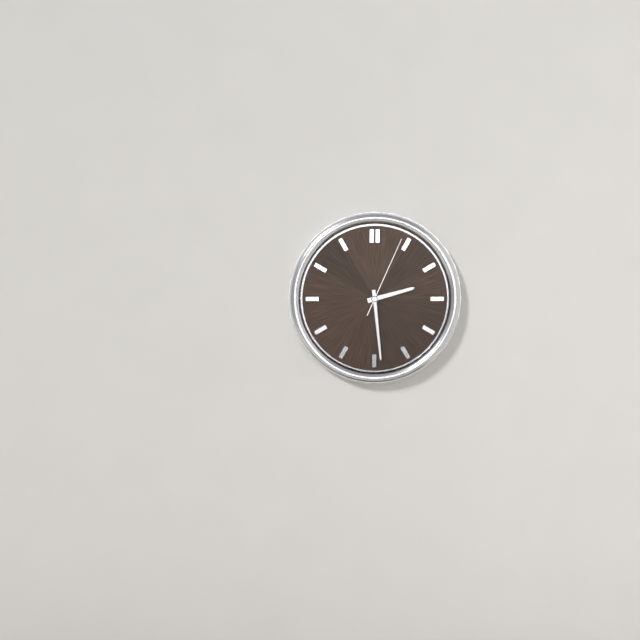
2:29:04
